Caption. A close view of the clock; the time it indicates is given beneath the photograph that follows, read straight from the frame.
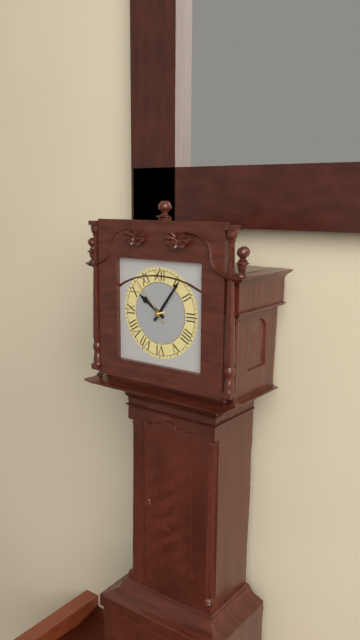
10:06
